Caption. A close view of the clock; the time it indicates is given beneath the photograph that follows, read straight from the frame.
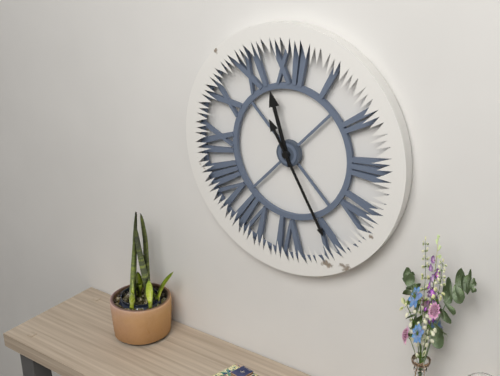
11:25
